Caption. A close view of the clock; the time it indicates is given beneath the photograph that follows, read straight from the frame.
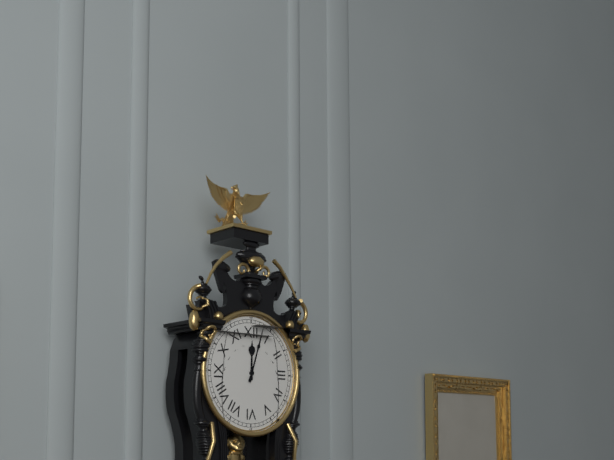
12:03
